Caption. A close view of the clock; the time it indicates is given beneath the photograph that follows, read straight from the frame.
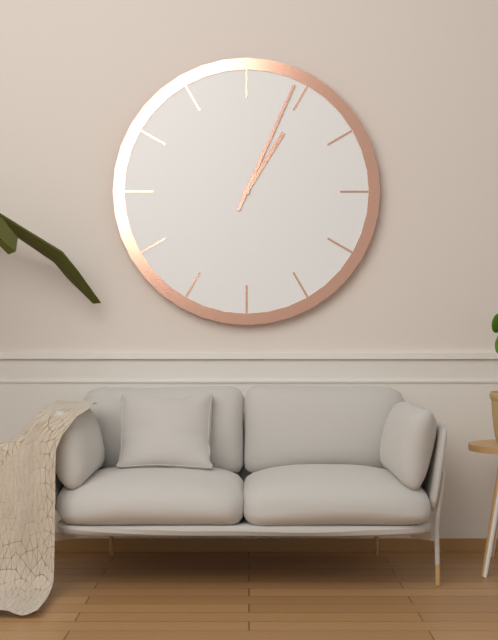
1:04
